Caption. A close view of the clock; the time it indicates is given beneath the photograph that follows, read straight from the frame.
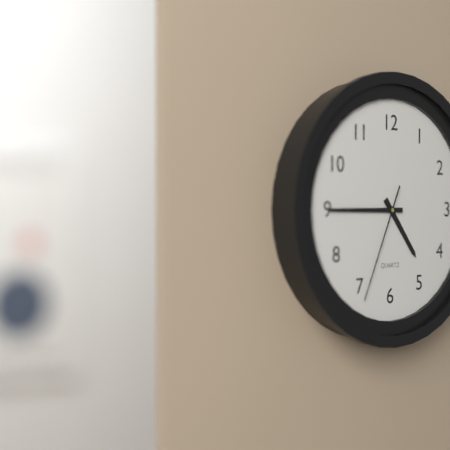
4:45:34
